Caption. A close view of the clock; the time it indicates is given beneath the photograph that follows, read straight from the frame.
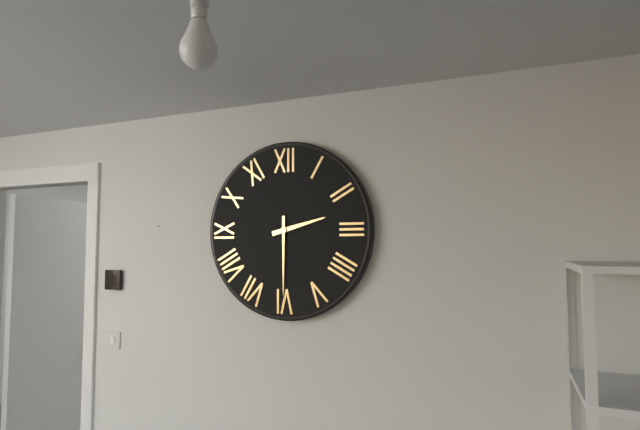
2:30
